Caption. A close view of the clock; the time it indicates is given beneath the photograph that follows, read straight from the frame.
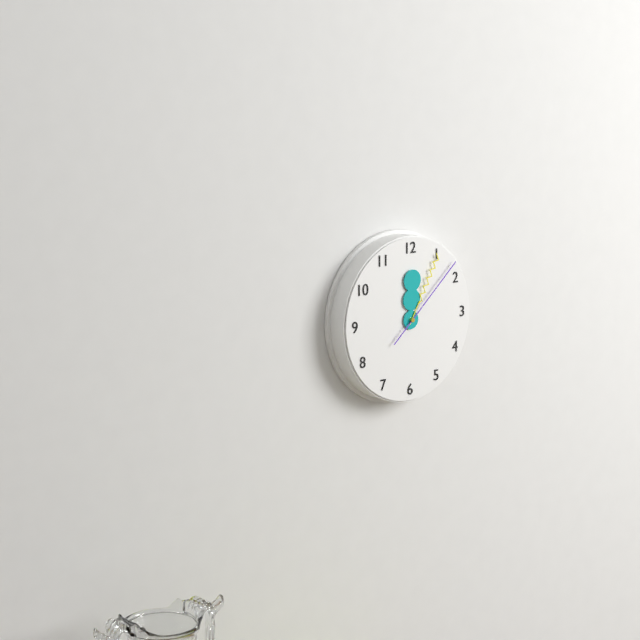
12:05:08
